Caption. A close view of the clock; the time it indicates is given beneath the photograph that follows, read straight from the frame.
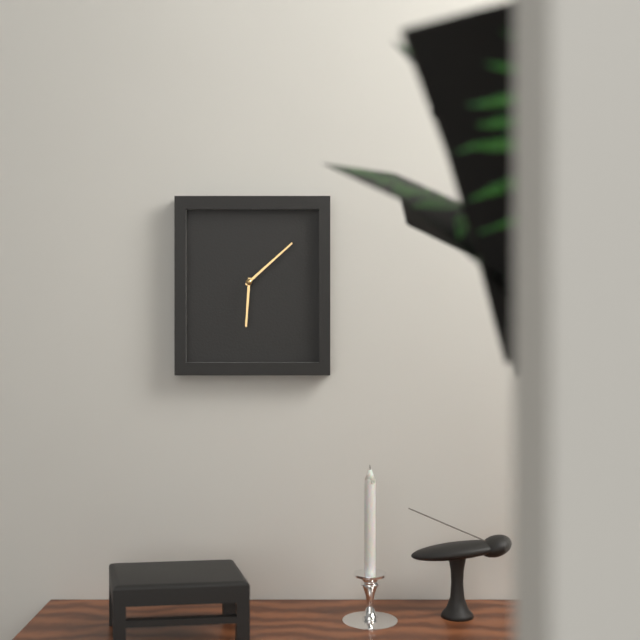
6:08
